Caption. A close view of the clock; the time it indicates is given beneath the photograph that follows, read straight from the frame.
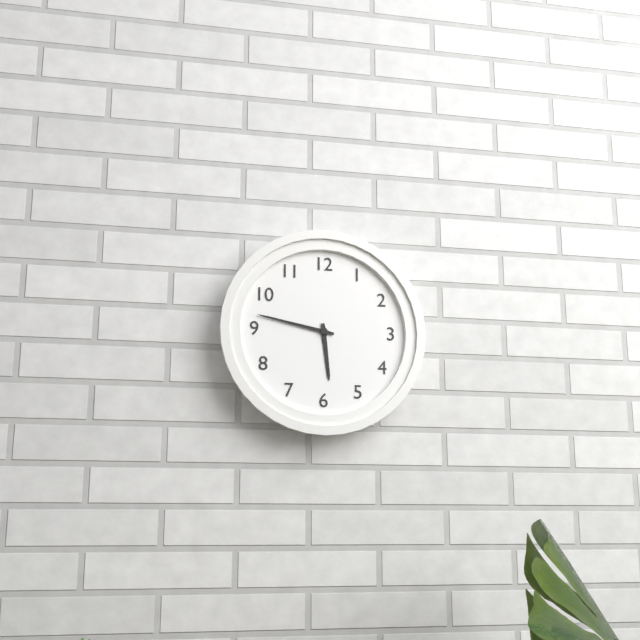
5:47
